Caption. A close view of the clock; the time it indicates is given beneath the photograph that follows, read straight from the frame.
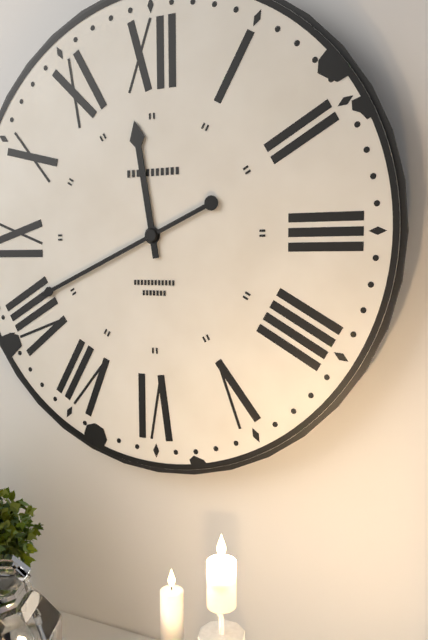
11:41
